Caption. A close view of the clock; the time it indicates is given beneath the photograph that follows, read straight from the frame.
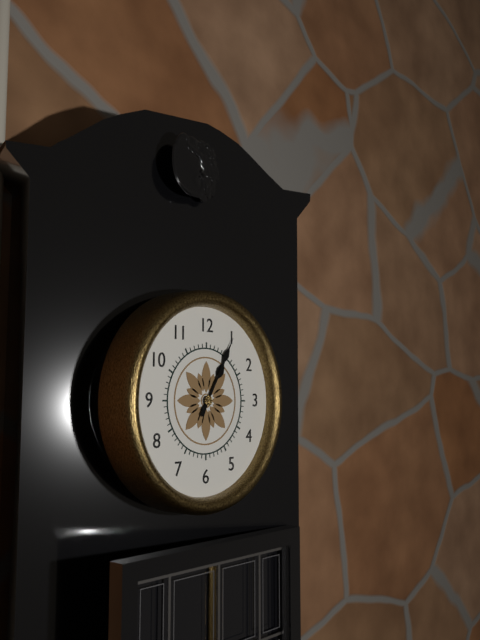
1:05
